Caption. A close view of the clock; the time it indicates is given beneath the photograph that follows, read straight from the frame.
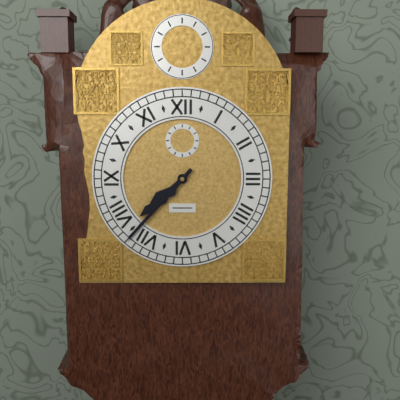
7:37
